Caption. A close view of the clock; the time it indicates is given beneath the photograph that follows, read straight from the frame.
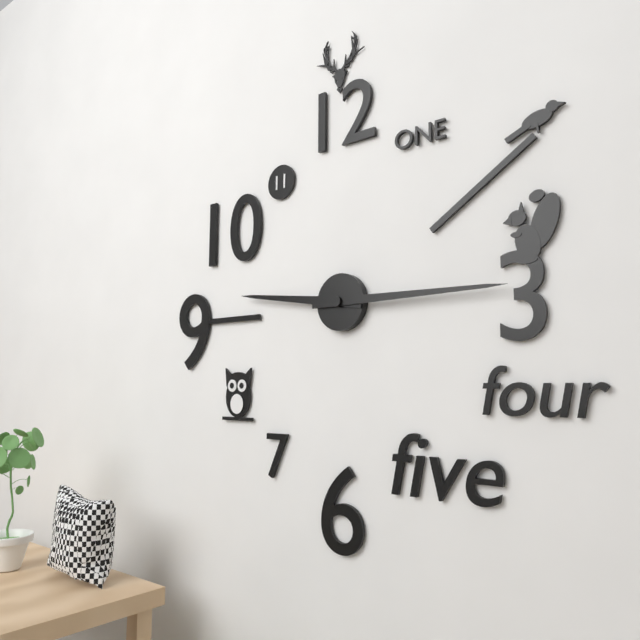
9:15
